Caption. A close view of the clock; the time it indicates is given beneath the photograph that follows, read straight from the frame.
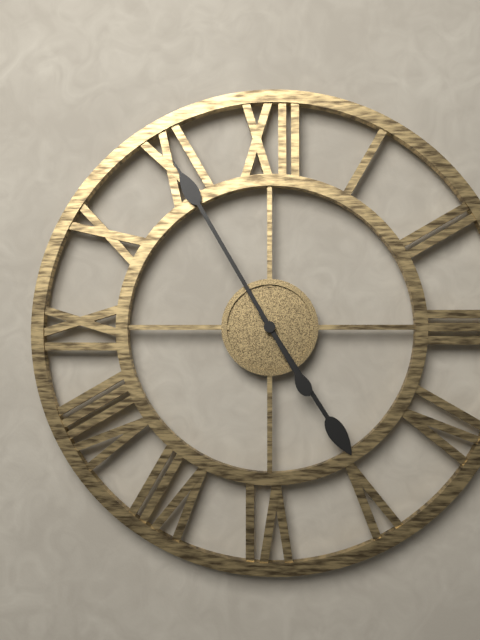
4:55
